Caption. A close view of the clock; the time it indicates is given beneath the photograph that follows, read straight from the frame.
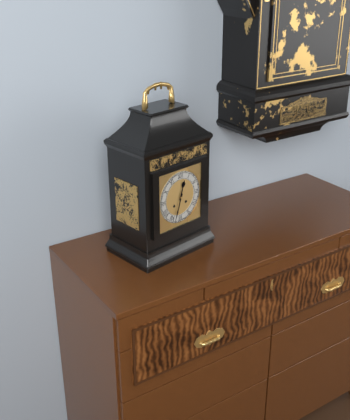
12:33
